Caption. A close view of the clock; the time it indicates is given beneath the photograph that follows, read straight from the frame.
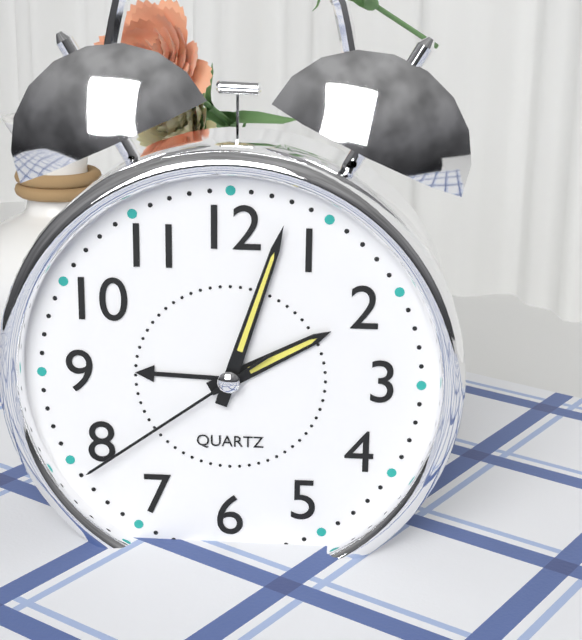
2:03:39
